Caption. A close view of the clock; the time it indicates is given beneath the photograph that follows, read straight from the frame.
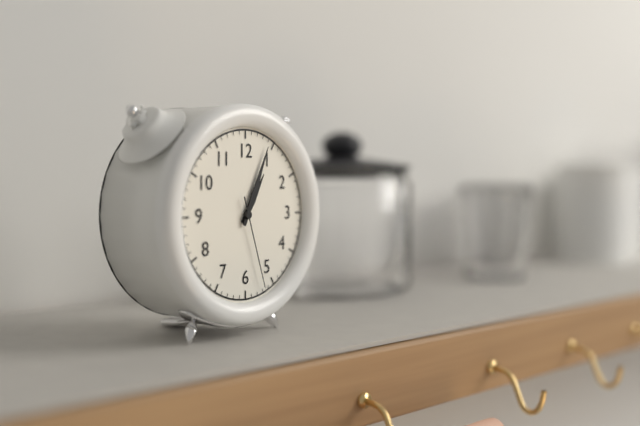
1:04:27
